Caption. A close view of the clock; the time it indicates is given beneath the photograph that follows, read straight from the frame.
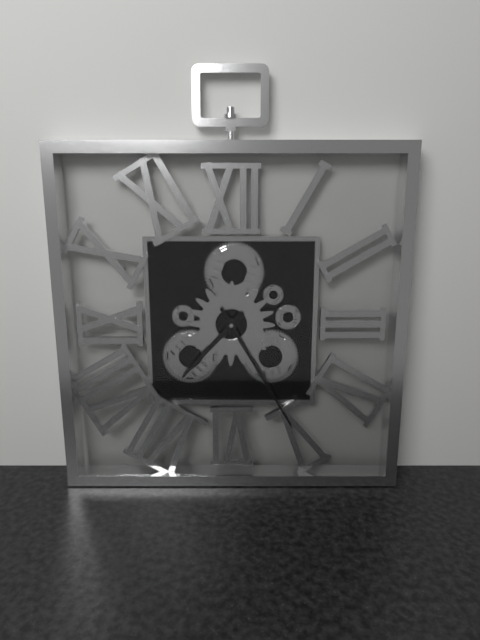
7:25
